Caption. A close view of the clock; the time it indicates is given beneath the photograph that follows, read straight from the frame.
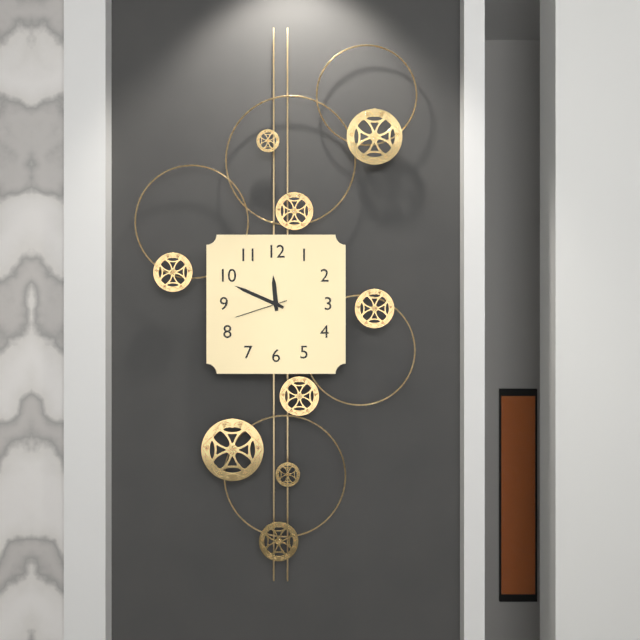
11:49:42
